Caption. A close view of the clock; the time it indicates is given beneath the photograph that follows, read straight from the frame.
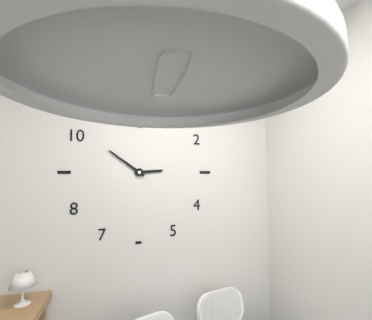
2:51
